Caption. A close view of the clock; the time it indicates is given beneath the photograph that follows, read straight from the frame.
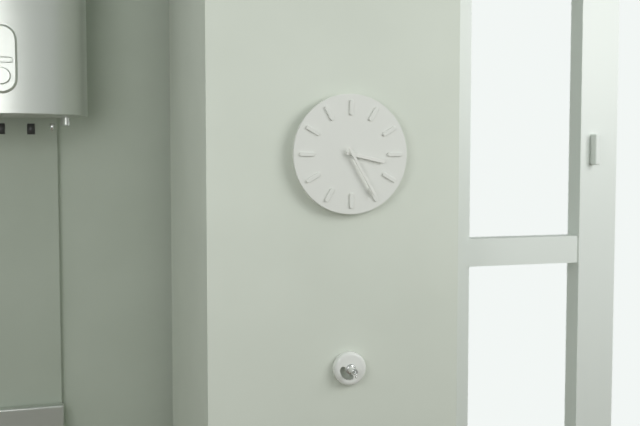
3:25
